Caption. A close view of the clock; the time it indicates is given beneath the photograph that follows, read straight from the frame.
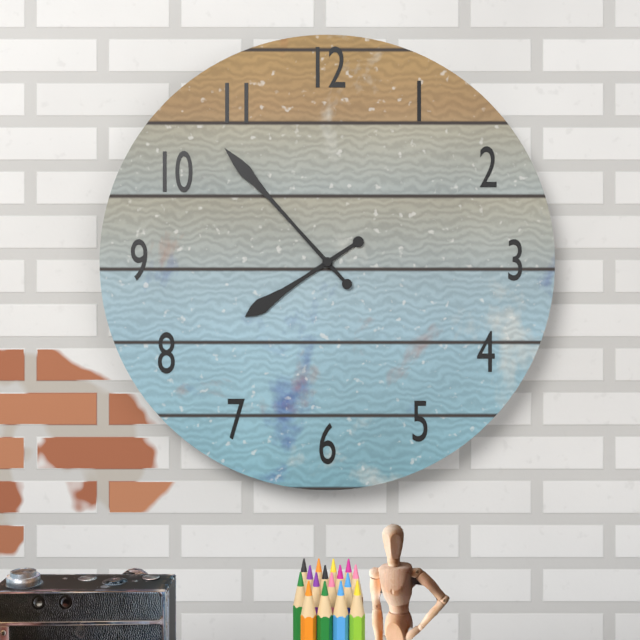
7:53
